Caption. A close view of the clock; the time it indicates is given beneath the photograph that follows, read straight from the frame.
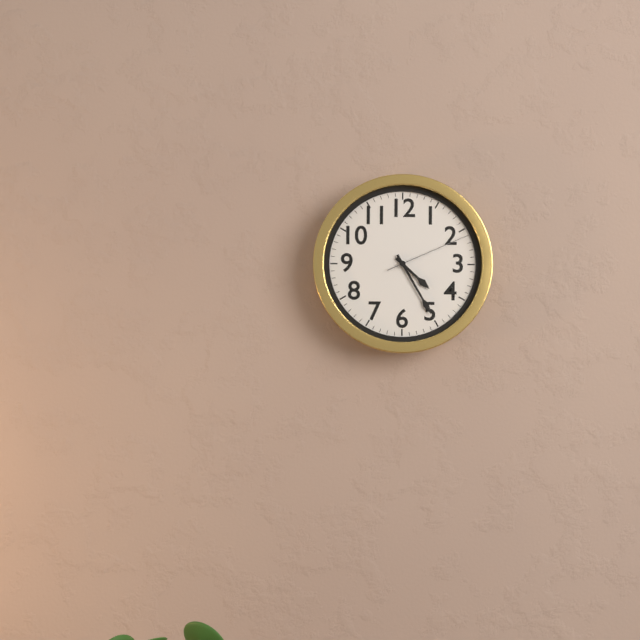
4:25:11
